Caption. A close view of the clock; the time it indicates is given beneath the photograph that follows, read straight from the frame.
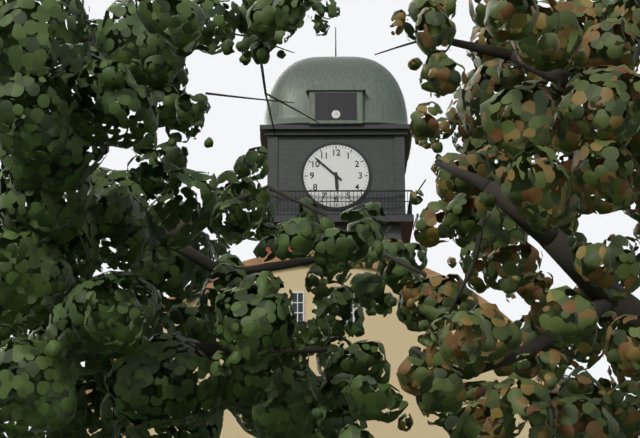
5:52
